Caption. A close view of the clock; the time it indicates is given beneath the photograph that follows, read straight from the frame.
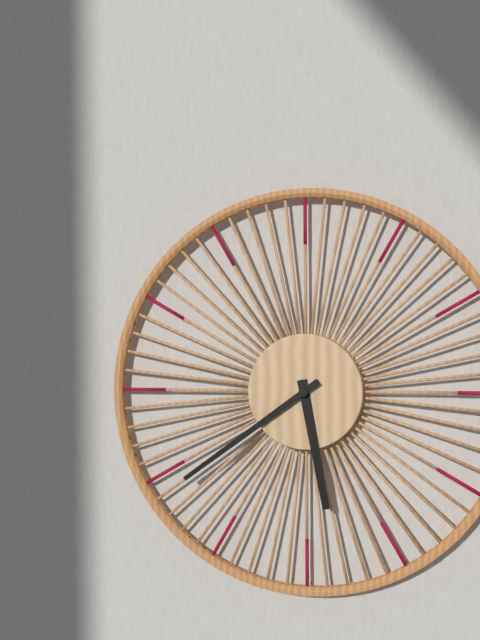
5:39
